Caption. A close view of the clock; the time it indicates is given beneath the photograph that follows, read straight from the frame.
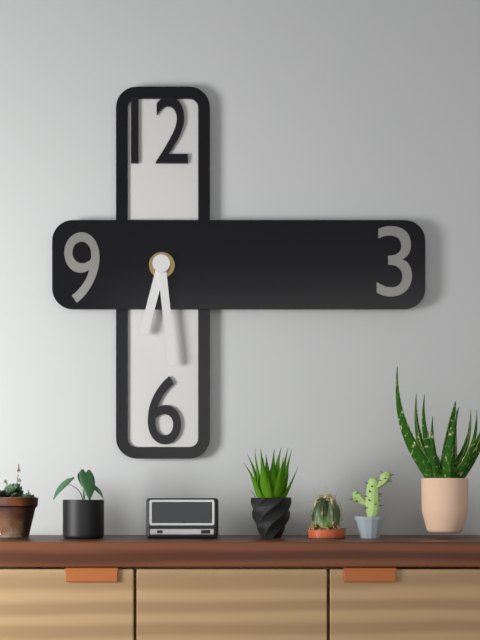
6:29
